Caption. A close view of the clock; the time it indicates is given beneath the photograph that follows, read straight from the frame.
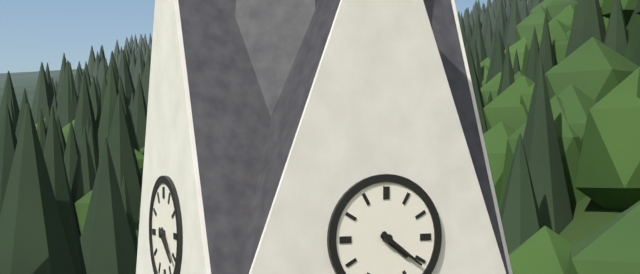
4:21
